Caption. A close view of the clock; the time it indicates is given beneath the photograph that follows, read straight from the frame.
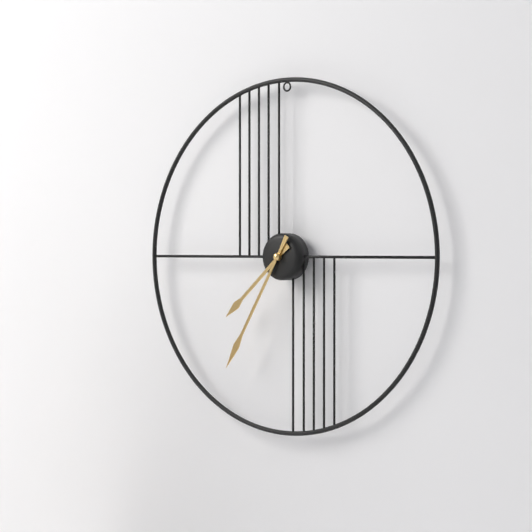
7:35
